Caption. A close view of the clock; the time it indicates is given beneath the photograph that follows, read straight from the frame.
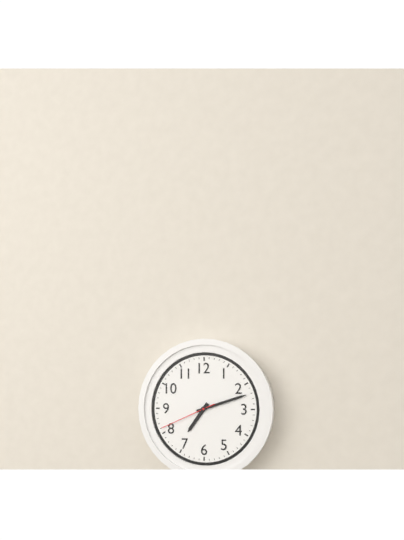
7:12:41
